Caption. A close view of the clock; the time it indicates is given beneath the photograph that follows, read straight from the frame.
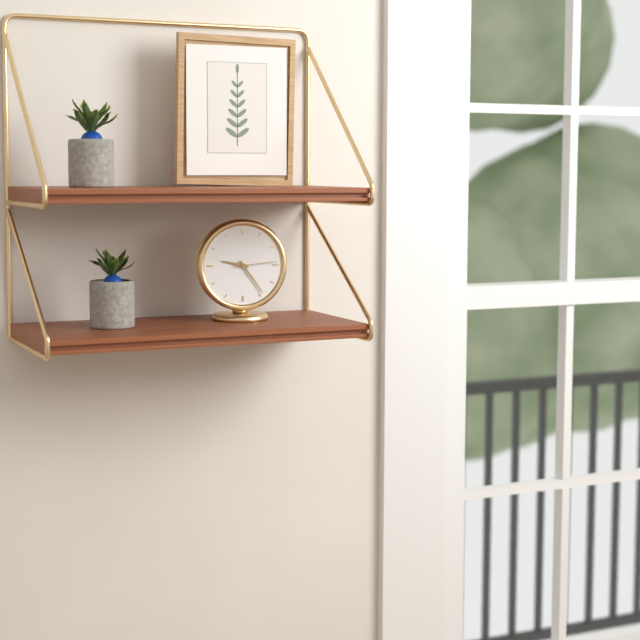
9:24
